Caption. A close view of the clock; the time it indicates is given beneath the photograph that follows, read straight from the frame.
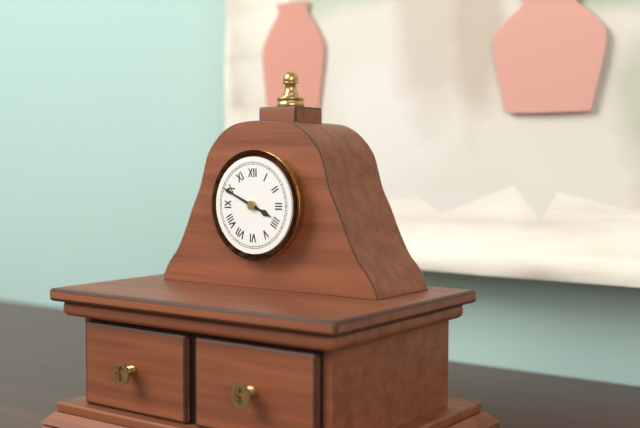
3:49
